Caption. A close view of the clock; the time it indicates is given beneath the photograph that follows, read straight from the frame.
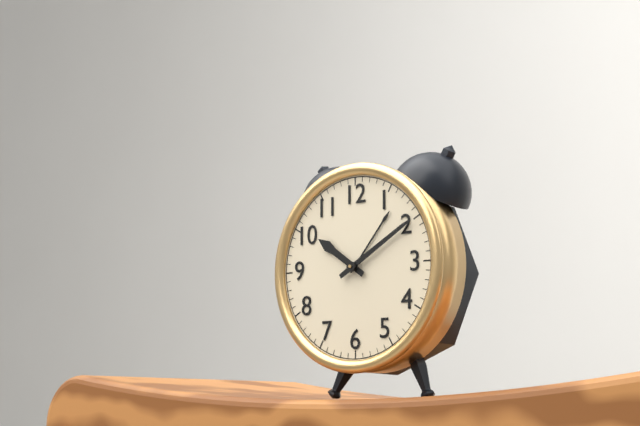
10:10
